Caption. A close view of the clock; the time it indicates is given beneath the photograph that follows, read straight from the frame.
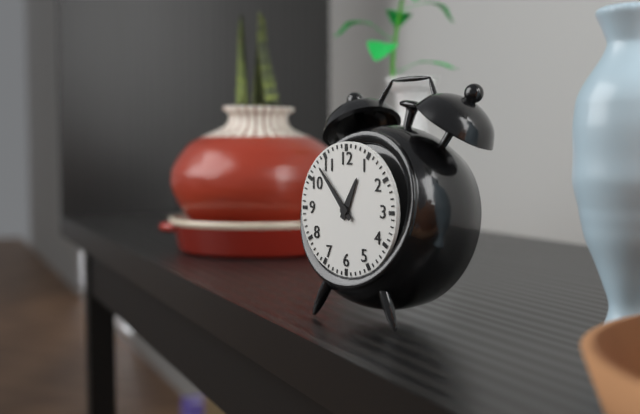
12:53
